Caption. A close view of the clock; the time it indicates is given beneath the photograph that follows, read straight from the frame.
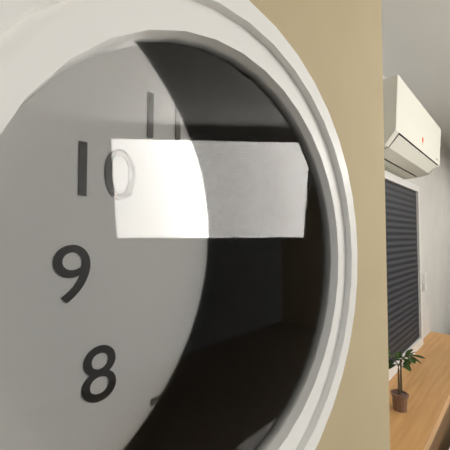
12:55
